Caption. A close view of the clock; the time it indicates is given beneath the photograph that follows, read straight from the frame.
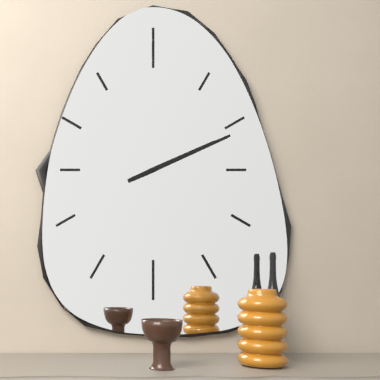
2:11
